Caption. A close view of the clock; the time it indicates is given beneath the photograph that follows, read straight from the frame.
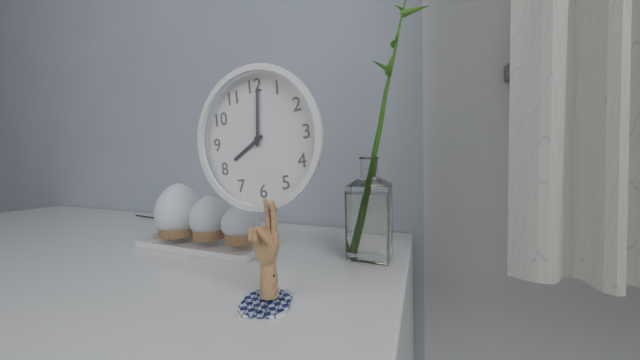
8:01
